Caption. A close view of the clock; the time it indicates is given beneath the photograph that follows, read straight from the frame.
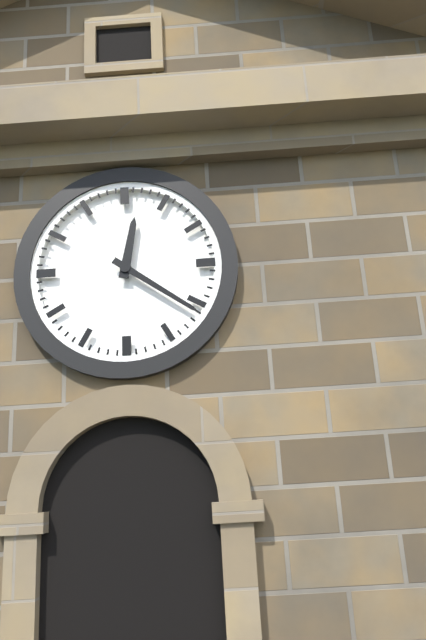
12:21
